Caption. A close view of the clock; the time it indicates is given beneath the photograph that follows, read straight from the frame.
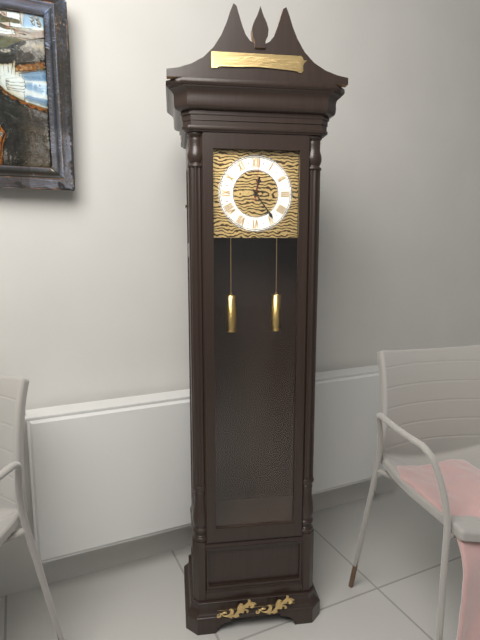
12:24
